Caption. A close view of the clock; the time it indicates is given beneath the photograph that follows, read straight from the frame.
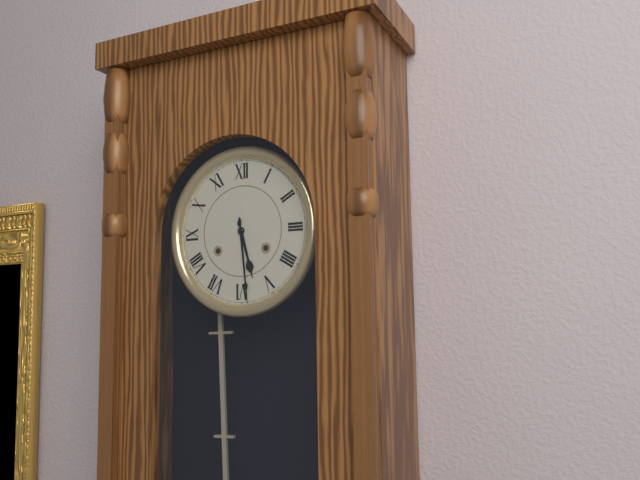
5:29
